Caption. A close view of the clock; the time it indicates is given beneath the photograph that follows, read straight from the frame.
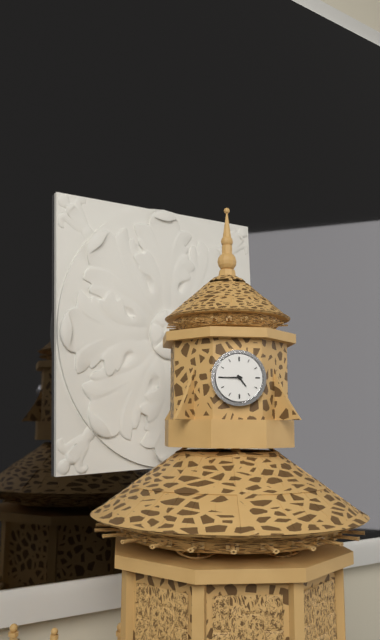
4:45
